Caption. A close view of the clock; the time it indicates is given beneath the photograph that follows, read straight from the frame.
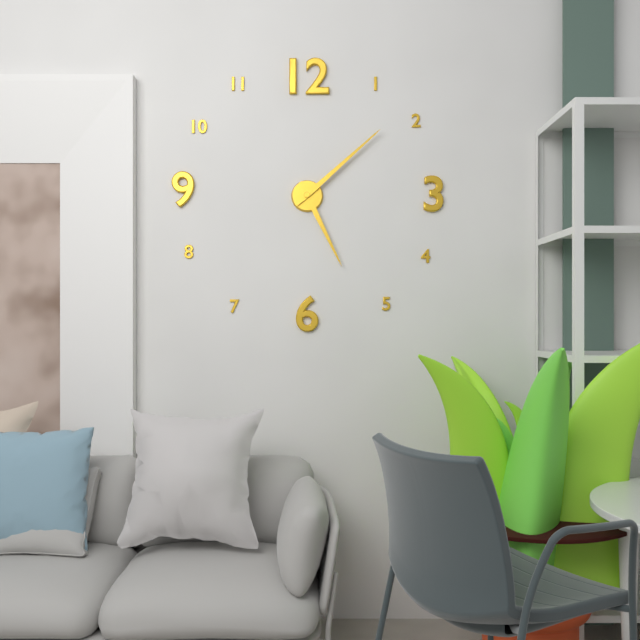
5:08
